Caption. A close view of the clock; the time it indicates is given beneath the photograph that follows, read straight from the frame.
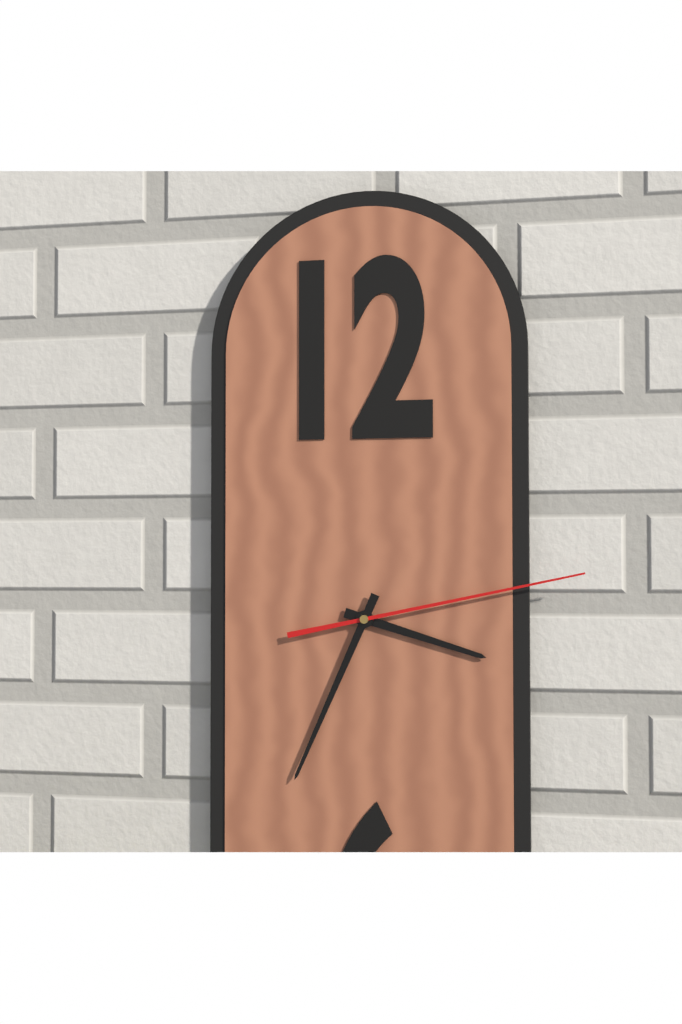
3:34:13
